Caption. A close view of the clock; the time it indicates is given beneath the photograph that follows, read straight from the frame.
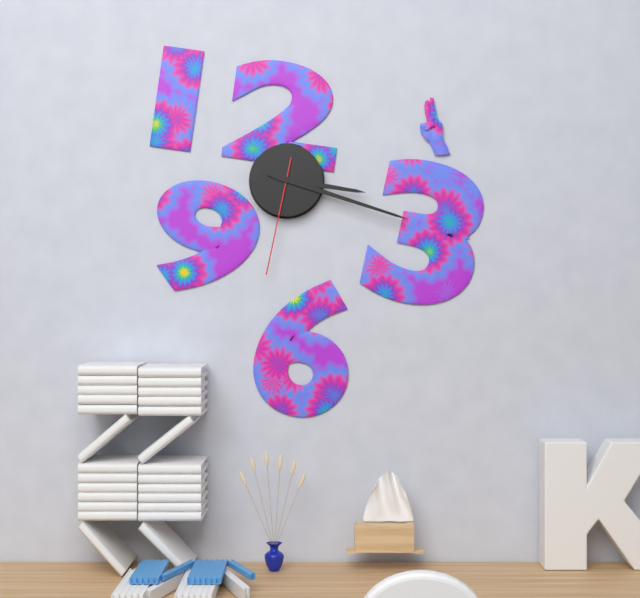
3:18:32
